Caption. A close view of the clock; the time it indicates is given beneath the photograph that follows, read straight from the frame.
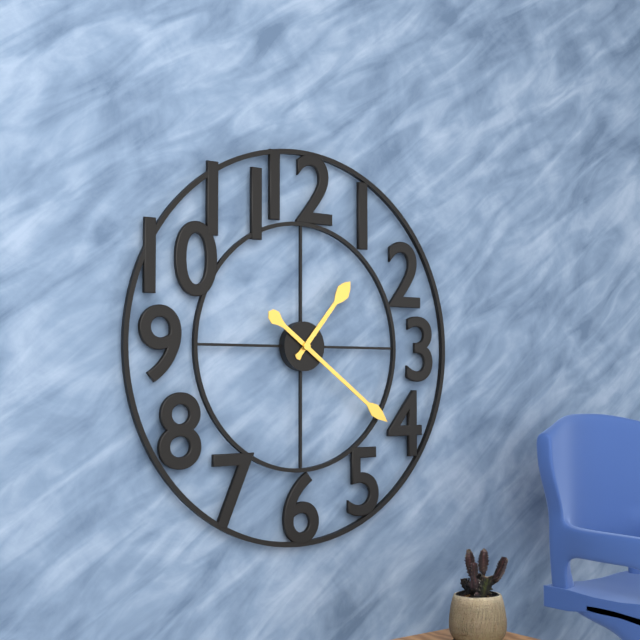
1:21
